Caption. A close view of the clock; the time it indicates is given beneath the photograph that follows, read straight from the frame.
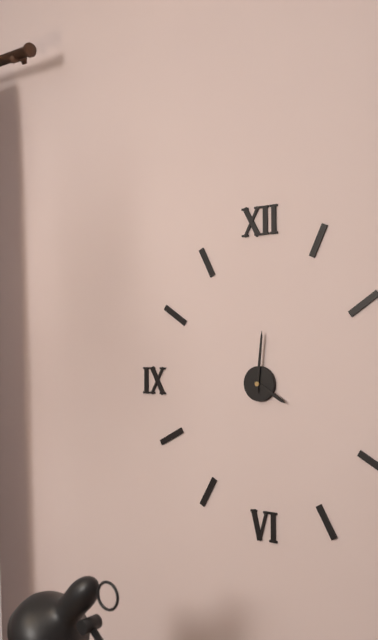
4:01
